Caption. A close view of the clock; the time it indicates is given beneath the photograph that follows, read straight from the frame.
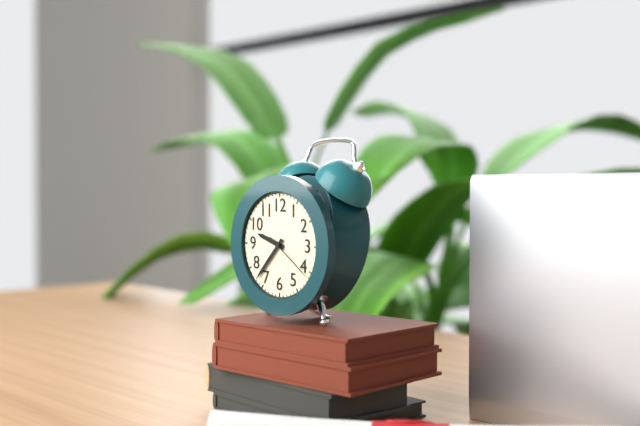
9:37:21
